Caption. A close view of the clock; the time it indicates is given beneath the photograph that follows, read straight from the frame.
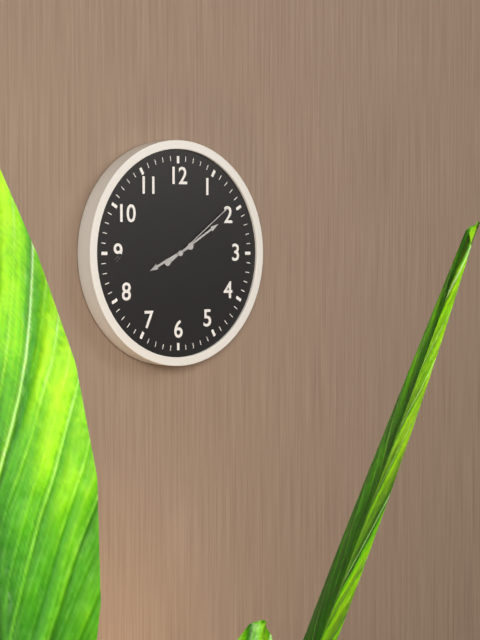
8:10:09
